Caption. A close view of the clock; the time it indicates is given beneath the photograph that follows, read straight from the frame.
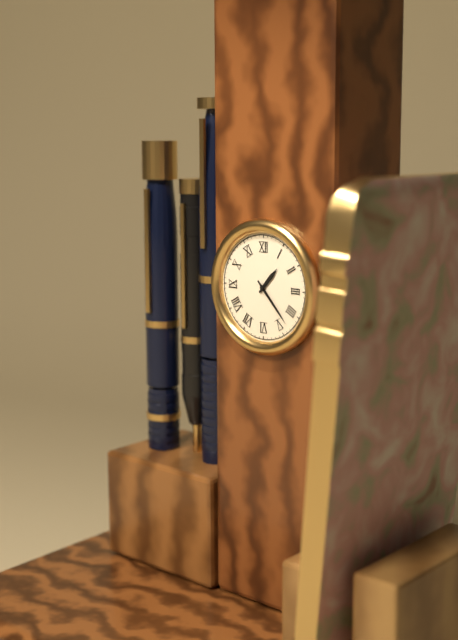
1:23
